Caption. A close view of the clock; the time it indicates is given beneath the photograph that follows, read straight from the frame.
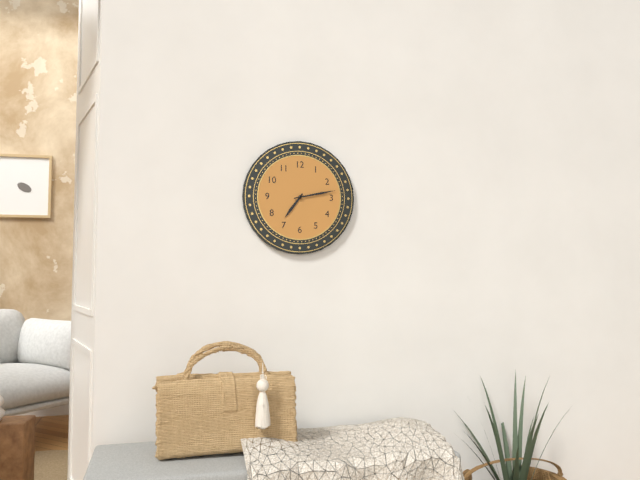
7:13
